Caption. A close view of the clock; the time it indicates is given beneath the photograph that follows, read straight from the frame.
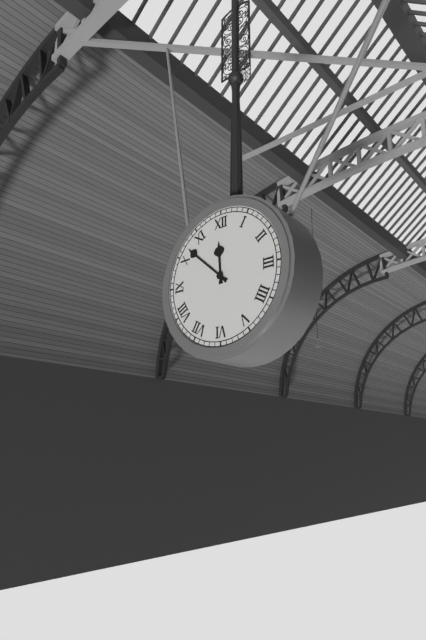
11:52
